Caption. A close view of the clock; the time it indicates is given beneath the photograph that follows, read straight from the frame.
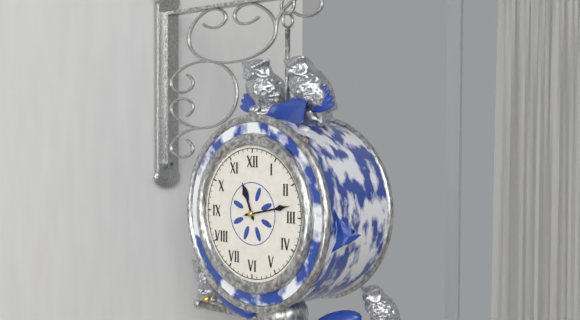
11:13
